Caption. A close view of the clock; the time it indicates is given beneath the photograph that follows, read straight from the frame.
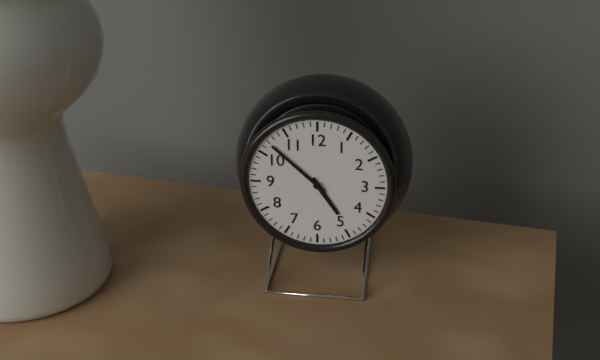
4:52
